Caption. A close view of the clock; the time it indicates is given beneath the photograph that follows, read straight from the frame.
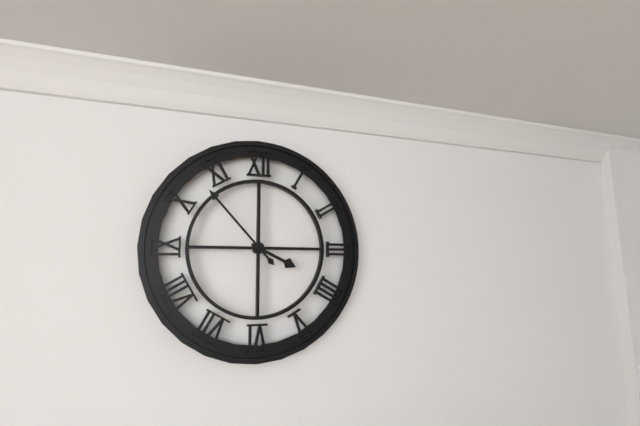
3:53
